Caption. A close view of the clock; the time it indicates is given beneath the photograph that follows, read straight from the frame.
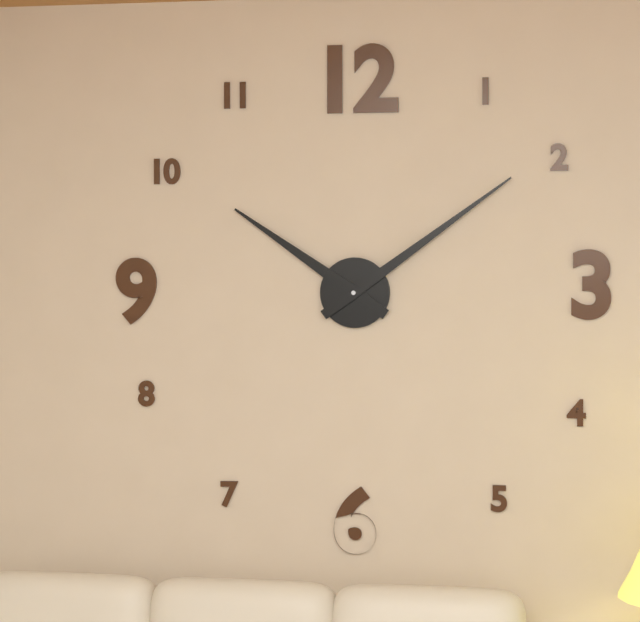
10:09
